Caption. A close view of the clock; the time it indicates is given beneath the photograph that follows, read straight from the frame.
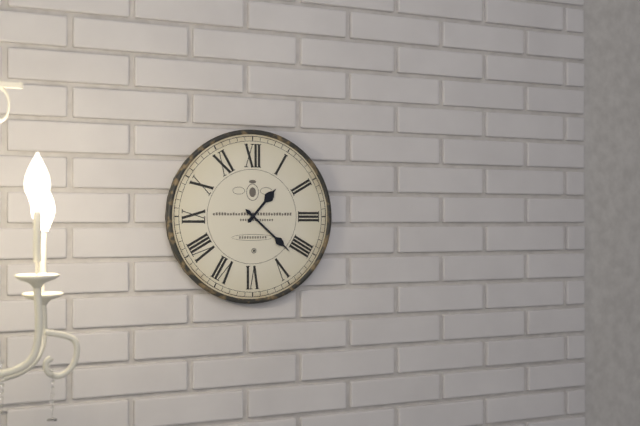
1:22
